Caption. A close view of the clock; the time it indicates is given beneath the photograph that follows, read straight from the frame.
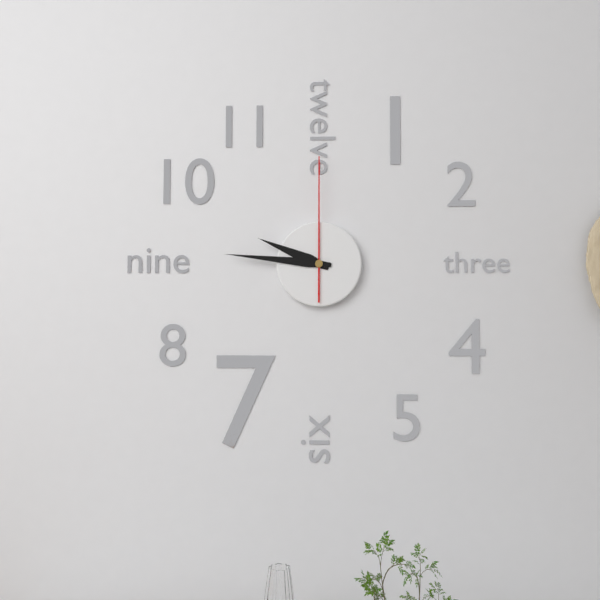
9:46:00
